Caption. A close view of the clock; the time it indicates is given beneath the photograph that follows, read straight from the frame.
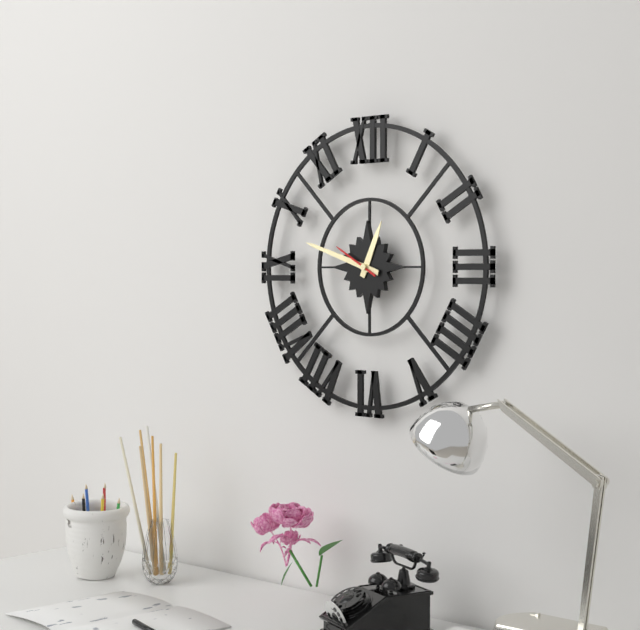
12:48:50
